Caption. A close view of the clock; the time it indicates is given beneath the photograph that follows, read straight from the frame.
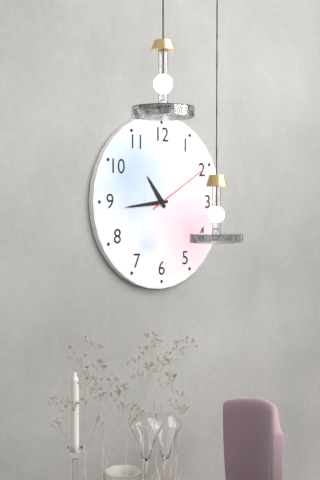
10:44:10
